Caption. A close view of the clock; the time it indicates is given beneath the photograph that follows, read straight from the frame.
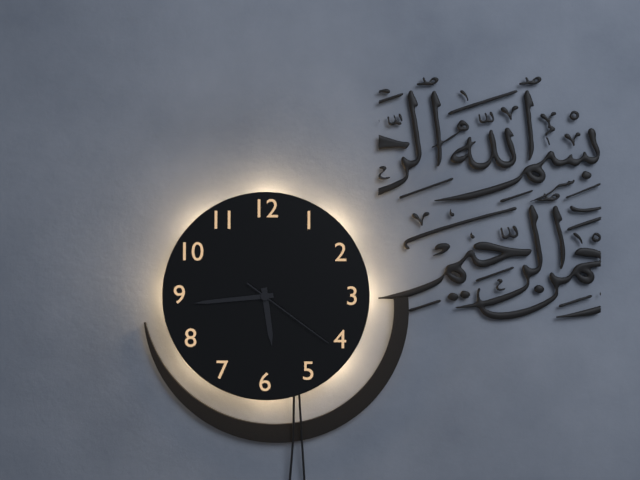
5:44:21
